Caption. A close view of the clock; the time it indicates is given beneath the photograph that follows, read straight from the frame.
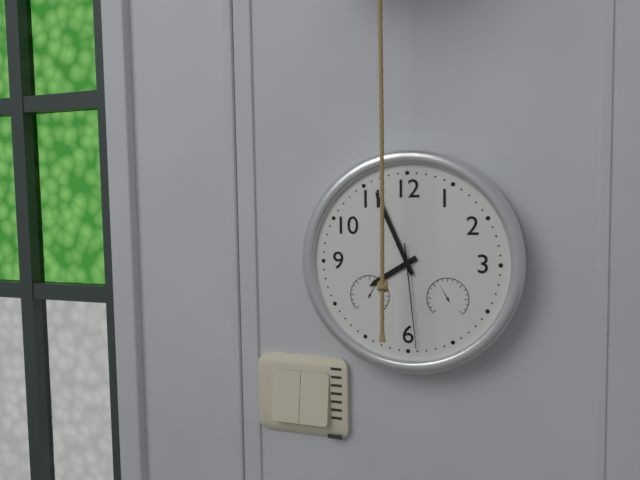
7:56:29
